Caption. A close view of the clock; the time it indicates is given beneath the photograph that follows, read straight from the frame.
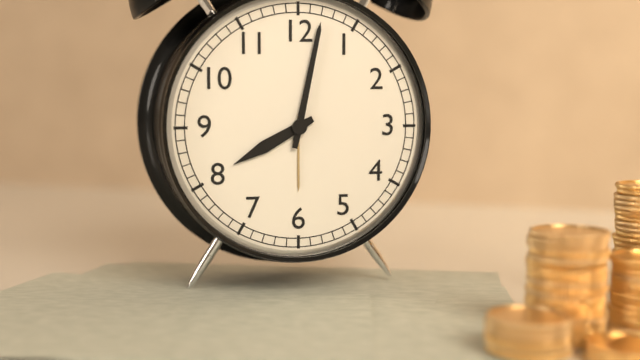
8:02
